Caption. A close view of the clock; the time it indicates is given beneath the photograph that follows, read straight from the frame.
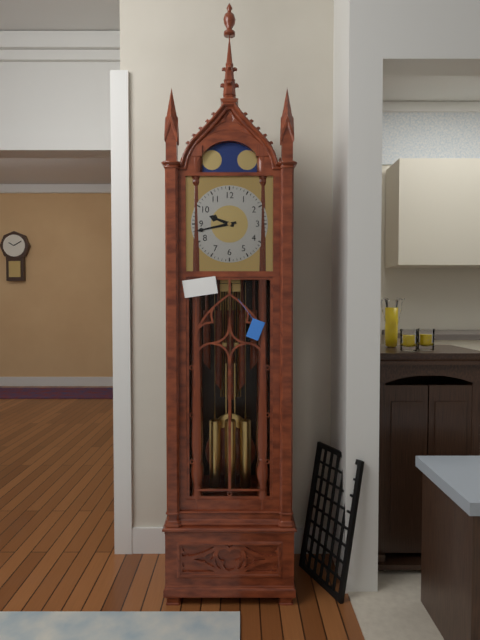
9:43
